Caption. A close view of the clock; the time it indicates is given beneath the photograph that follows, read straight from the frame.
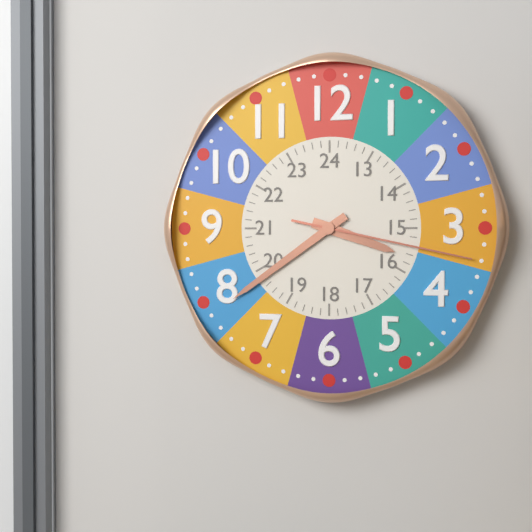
3:39:17
